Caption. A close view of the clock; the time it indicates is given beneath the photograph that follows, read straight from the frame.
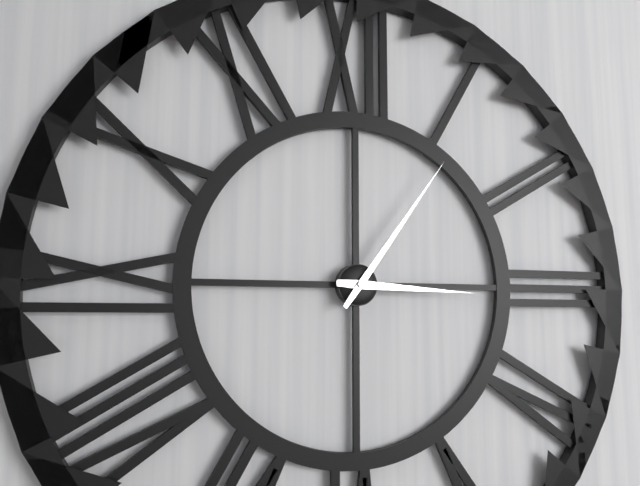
3:06
